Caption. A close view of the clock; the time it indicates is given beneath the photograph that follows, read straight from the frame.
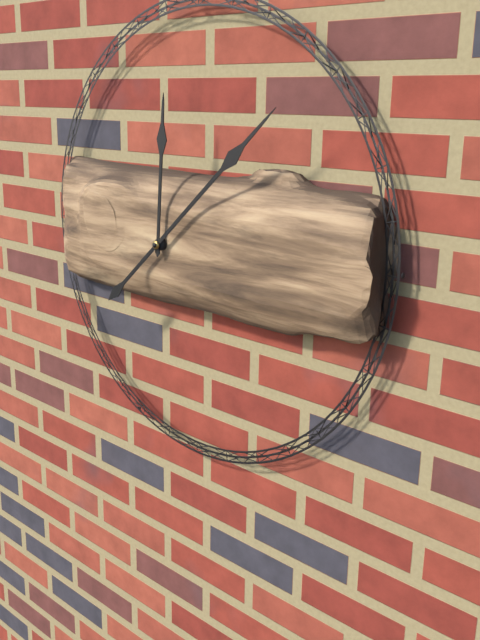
12:08
